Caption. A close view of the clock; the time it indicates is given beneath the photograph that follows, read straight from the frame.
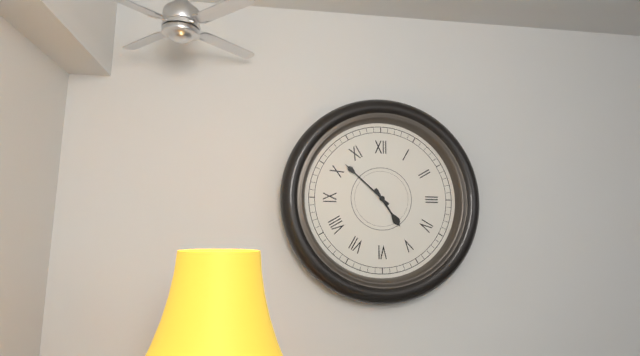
4:52
